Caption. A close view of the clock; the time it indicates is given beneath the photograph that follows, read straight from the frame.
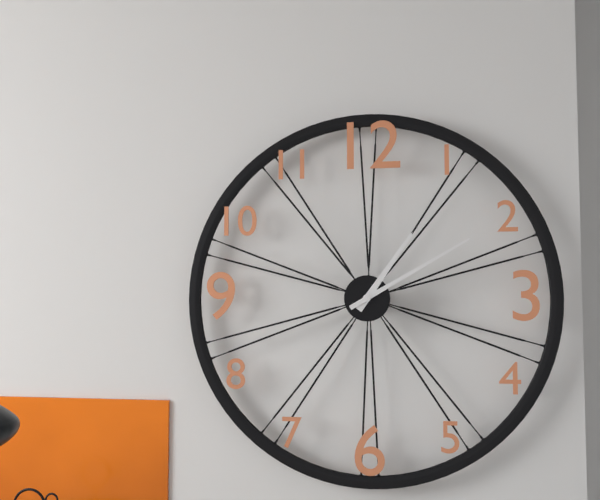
1:10
